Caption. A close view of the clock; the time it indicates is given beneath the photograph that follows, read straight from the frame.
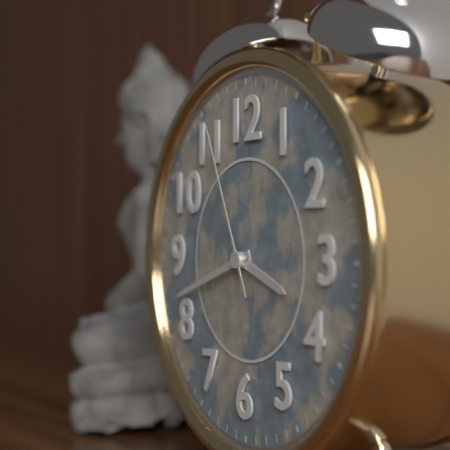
3:42:56
